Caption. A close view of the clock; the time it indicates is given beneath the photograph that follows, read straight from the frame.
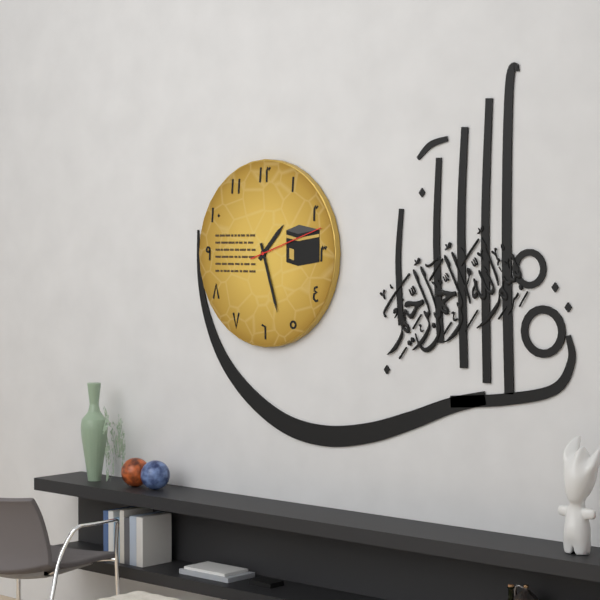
1:27:12
